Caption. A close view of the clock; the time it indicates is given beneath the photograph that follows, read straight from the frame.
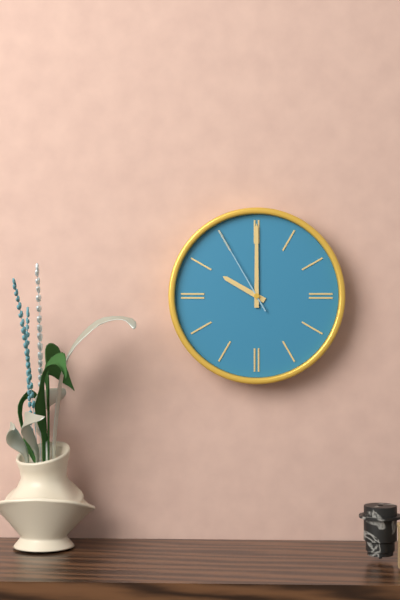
10:00:55
